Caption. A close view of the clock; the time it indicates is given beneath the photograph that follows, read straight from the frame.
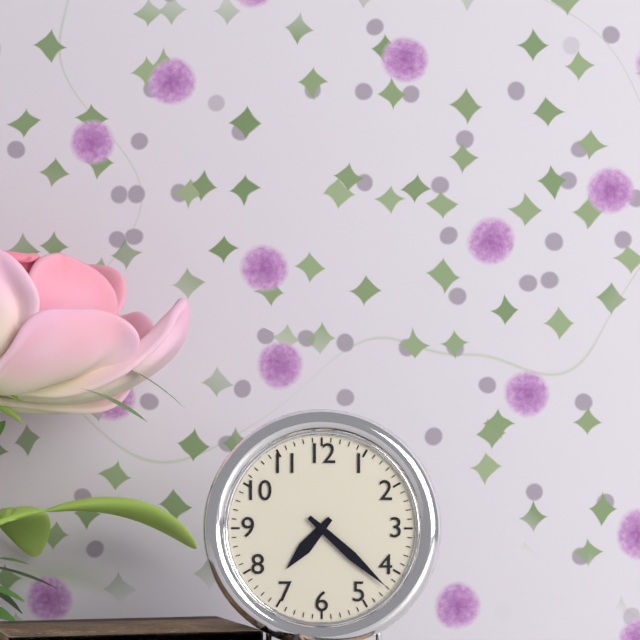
7:22
